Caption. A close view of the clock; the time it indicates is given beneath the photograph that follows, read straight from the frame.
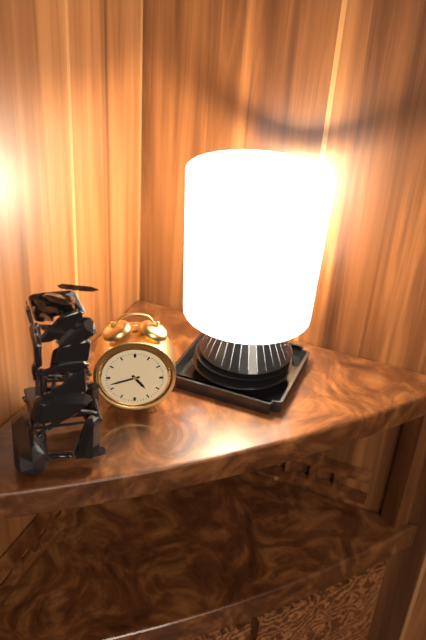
4:42
